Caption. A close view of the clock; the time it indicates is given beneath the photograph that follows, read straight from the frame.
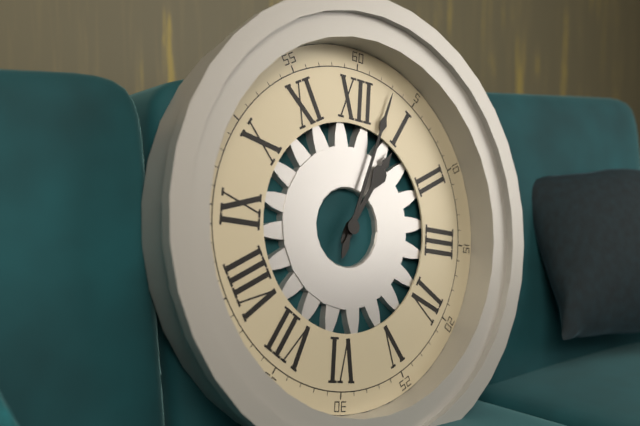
1:03
